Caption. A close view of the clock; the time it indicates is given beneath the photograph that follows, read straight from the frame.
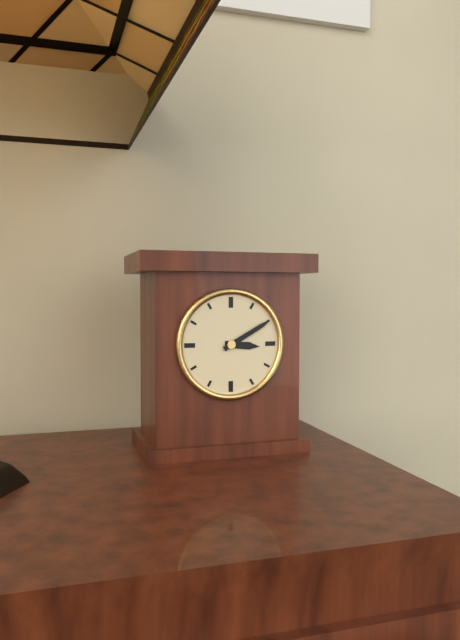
3:10
